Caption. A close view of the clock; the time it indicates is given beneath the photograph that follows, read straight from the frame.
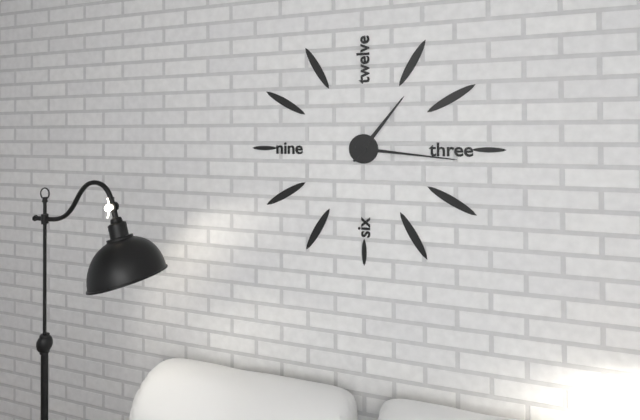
1:16
